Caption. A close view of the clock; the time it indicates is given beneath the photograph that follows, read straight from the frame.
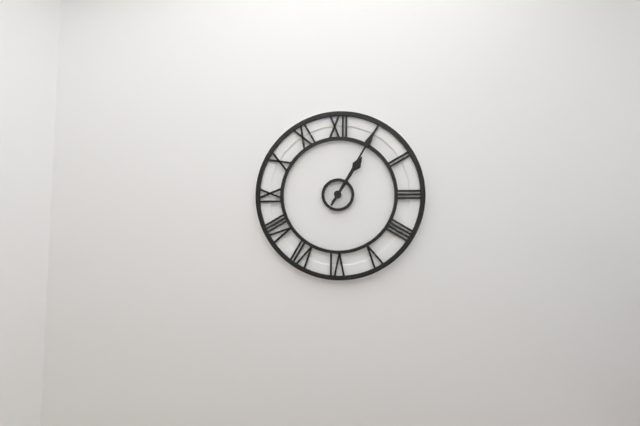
1:05
